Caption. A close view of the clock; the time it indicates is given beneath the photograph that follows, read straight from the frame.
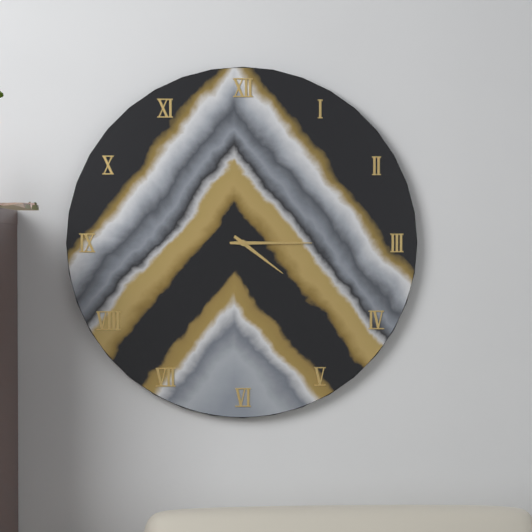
4:15
